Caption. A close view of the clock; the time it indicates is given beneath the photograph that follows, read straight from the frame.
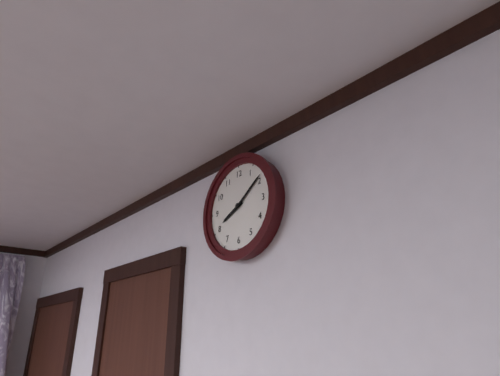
8:09
